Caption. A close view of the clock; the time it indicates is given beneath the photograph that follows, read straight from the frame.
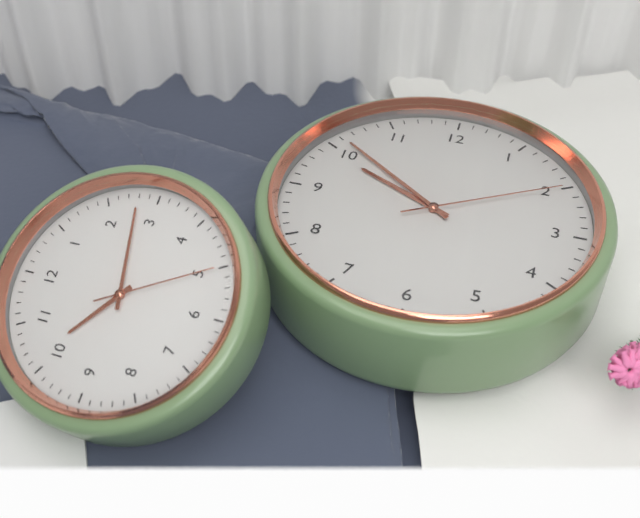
9:51:10
